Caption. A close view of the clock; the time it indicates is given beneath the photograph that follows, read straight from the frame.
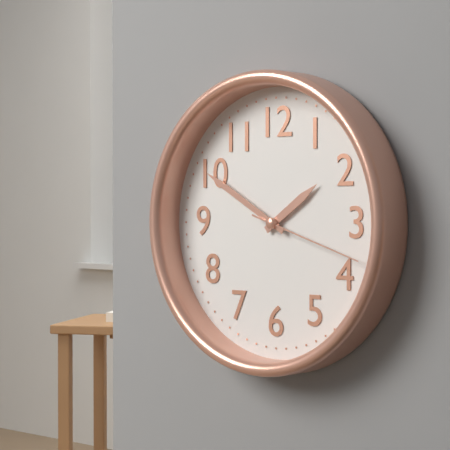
1:50:18
